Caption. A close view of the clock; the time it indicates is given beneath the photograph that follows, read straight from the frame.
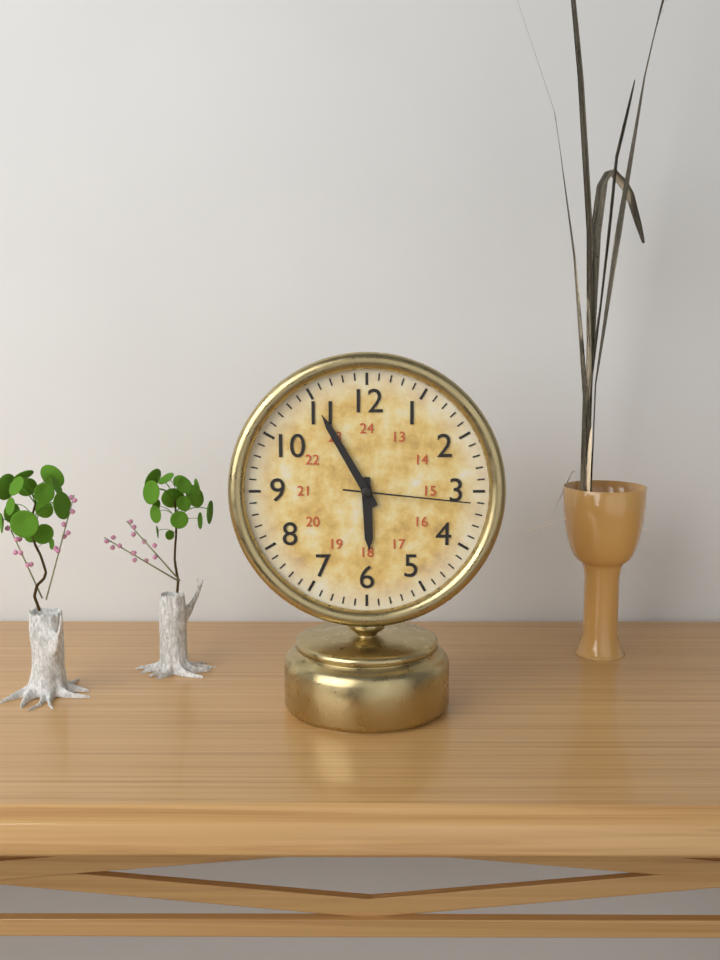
5:55:16
